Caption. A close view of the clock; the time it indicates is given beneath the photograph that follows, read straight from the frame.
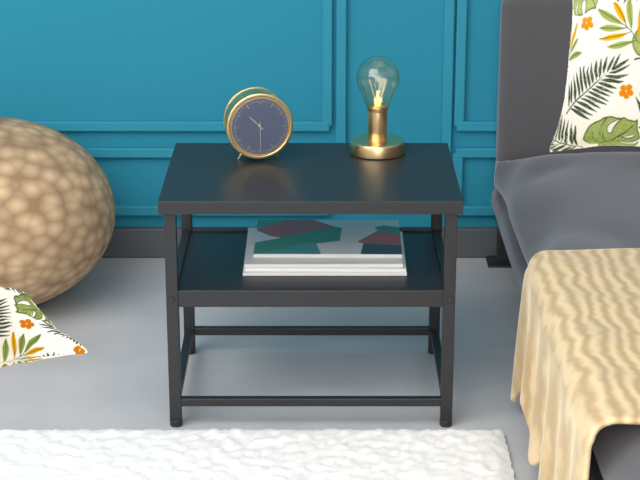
10:30
